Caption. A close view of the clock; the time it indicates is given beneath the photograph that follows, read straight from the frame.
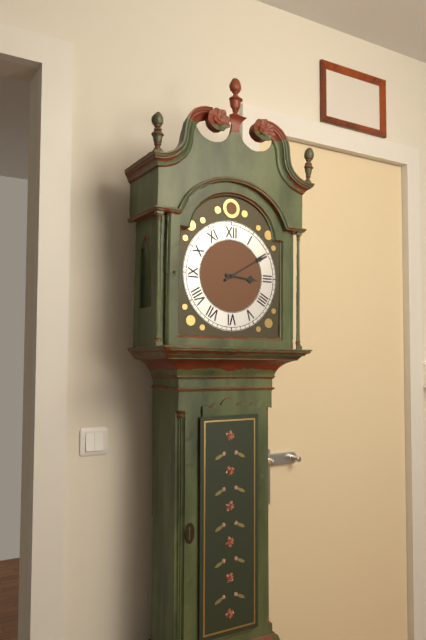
3:10
